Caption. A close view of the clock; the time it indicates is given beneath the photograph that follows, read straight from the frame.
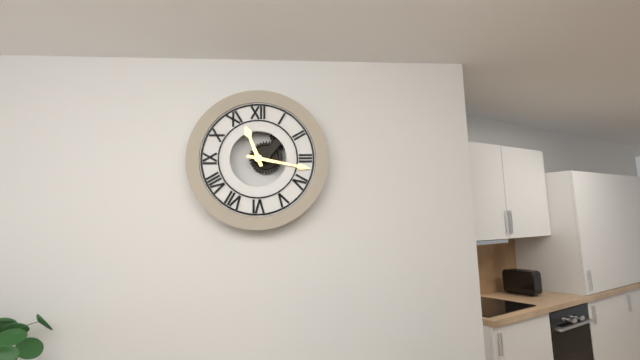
11:17
